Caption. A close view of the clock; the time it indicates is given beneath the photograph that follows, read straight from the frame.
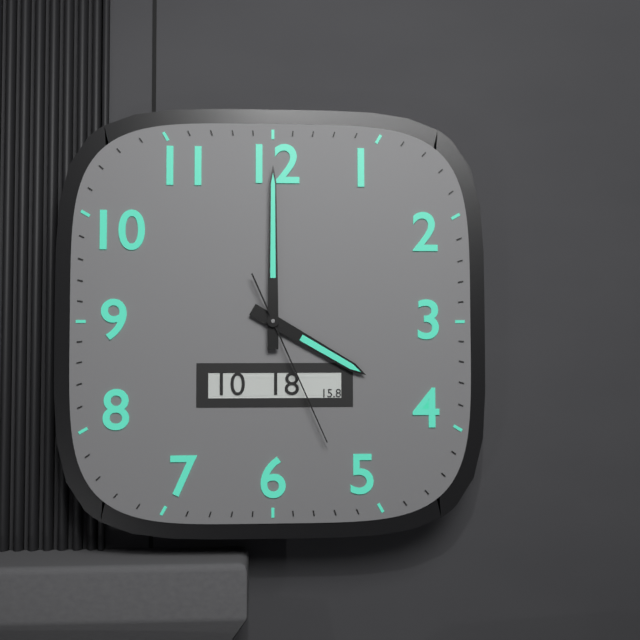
4:00:26
